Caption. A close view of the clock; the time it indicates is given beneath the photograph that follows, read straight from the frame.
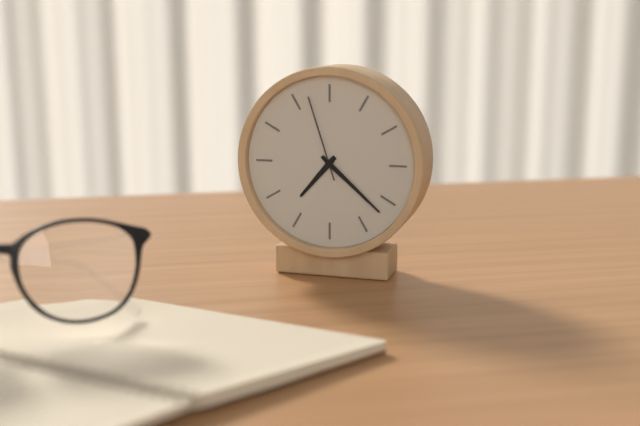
7:22:57
